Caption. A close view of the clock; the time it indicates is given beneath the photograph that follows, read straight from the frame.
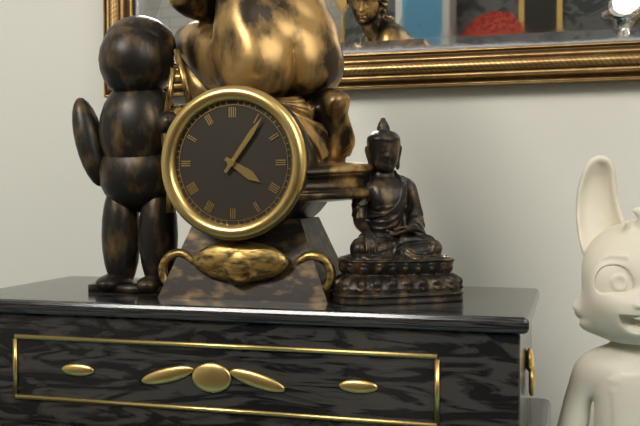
4:06
